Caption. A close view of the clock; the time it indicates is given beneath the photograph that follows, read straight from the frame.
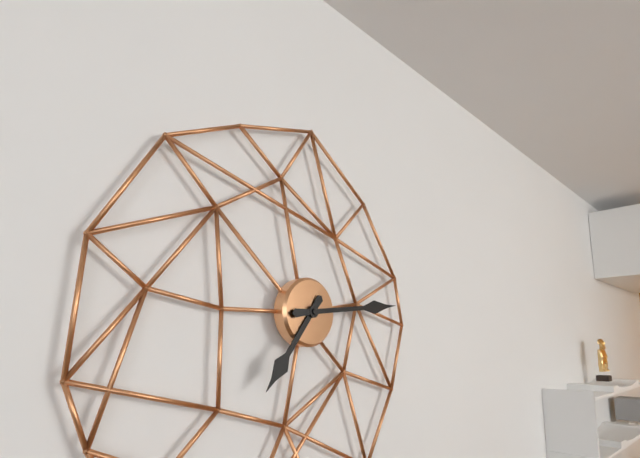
7:14
